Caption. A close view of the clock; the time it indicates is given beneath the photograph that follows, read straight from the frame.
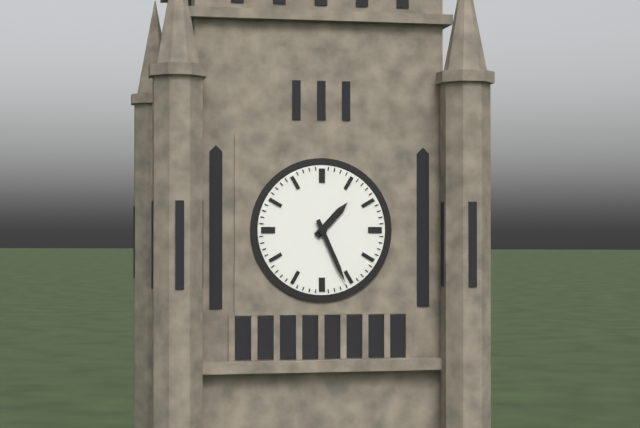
1:26
